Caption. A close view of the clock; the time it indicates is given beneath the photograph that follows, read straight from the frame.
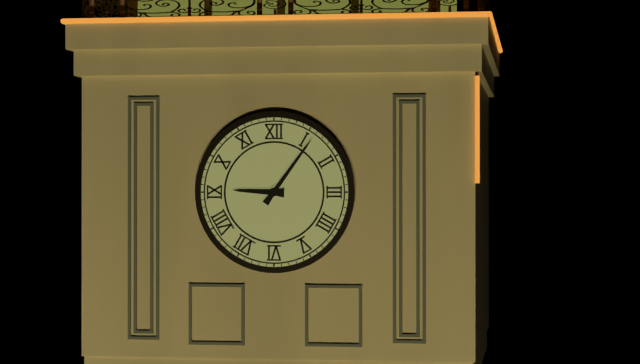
9:06
